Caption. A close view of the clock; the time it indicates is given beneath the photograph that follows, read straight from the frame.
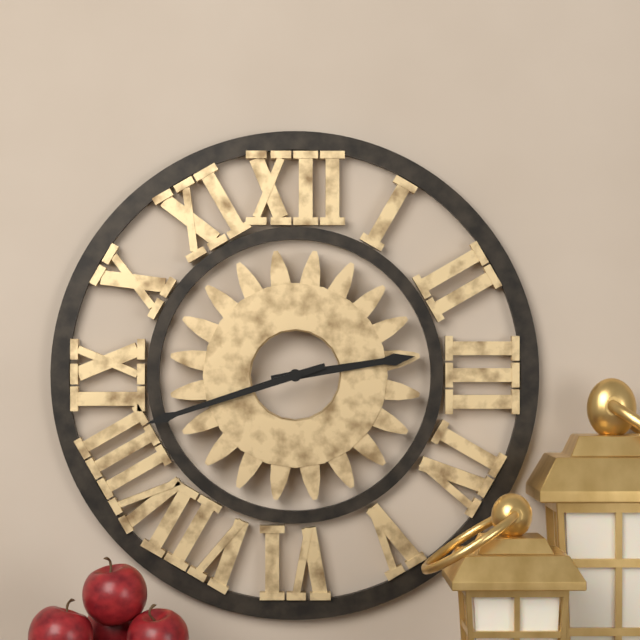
2:42
